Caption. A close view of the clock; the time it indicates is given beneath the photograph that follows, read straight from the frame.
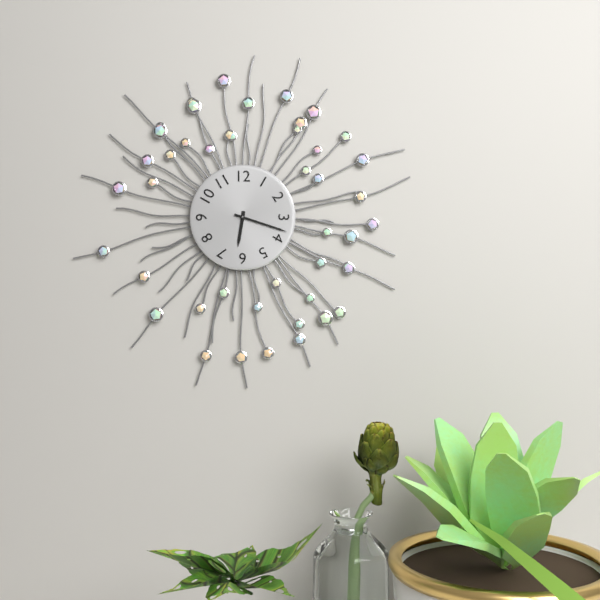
6:18
